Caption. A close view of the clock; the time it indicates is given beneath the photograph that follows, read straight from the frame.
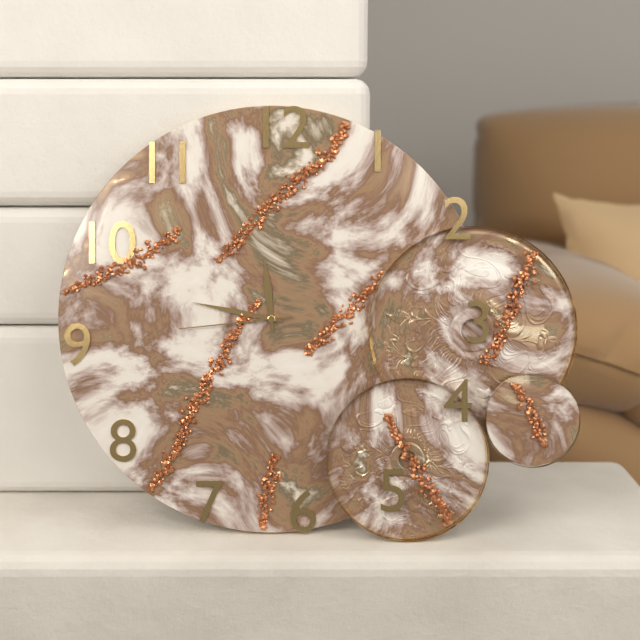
11:47:44
